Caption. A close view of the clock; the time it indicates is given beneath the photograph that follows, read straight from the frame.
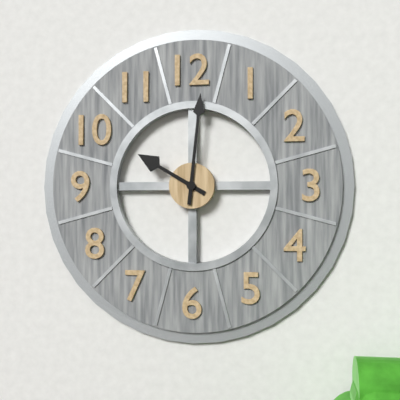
10:01
